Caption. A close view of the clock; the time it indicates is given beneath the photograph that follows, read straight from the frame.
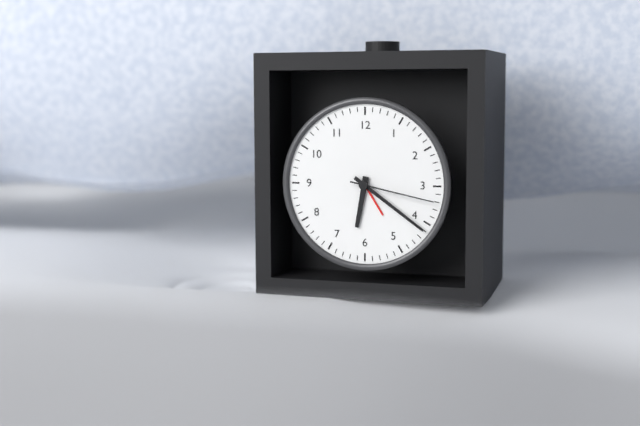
6:21:17
